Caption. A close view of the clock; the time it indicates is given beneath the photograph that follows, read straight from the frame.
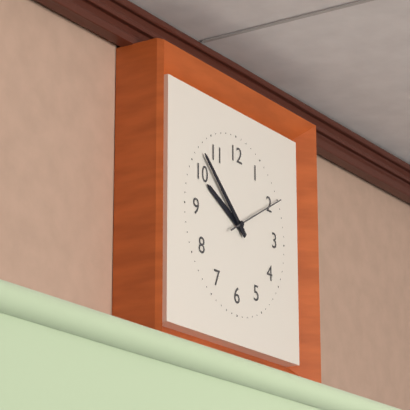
9:52:10
